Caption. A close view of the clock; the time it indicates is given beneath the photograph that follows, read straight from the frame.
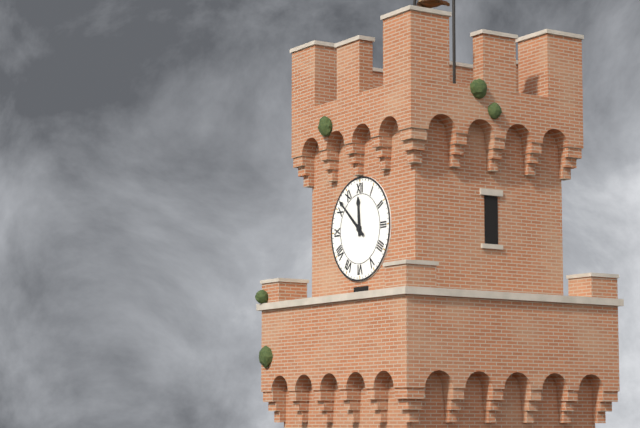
11:52
